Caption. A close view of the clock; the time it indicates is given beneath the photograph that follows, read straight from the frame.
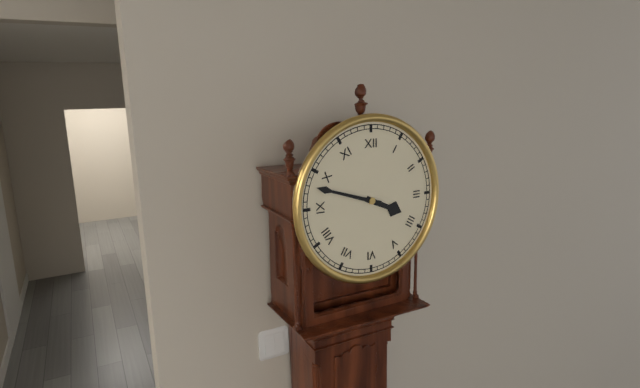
3:48
